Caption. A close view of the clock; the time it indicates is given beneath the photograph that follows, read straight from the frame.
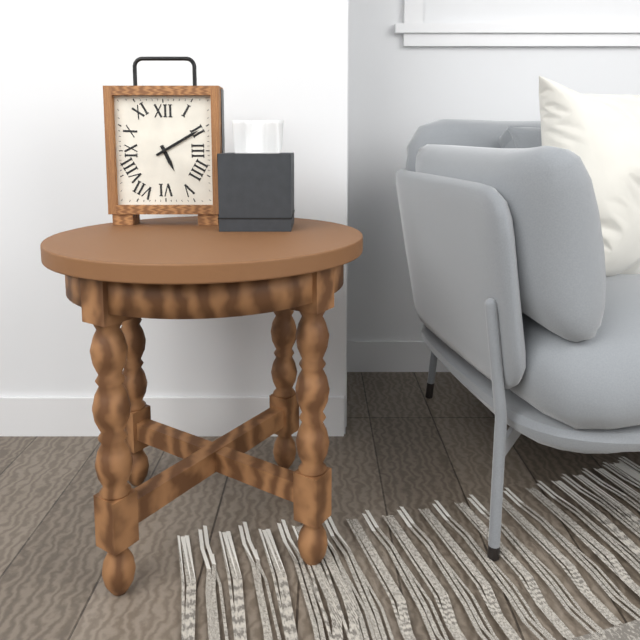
5:10
